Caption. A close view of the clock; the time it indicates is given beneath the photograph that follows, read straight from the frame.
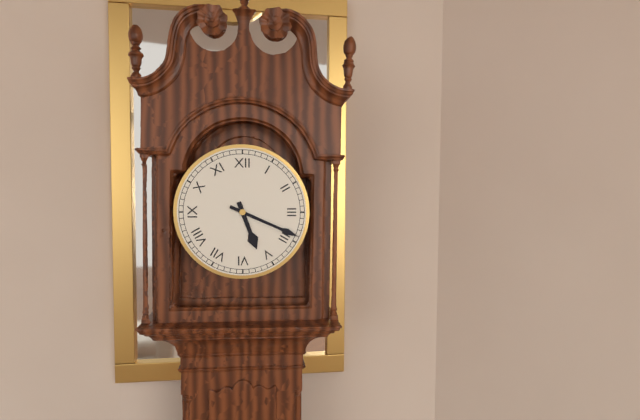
5:19
